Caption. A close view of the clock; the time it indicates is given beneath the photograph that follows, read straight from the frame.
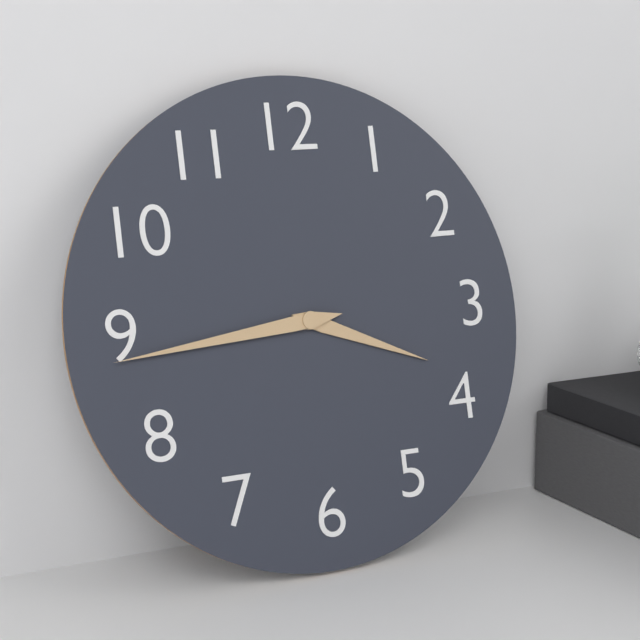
3:44
